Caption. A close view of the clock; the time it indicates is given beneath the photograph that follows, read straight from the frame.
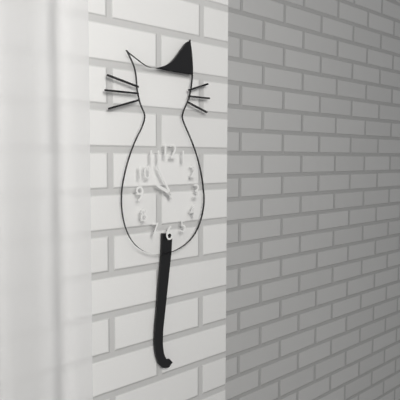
9:55
